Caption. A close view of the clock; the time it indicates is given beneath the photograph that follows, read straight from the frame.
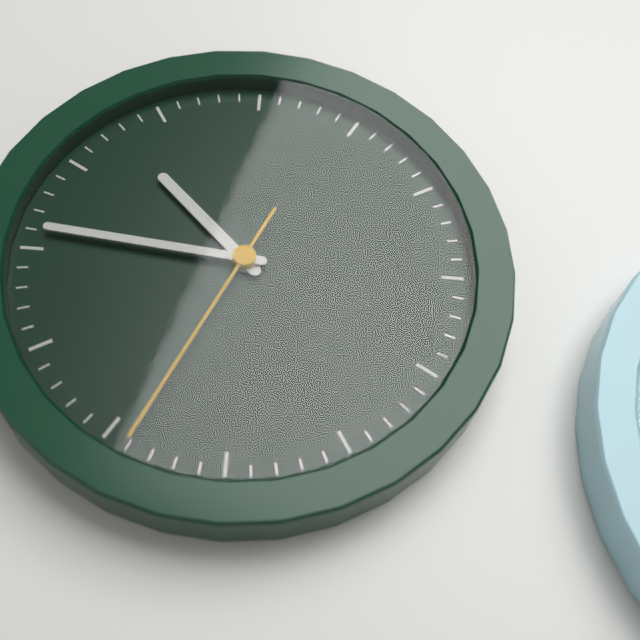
7:31:19
